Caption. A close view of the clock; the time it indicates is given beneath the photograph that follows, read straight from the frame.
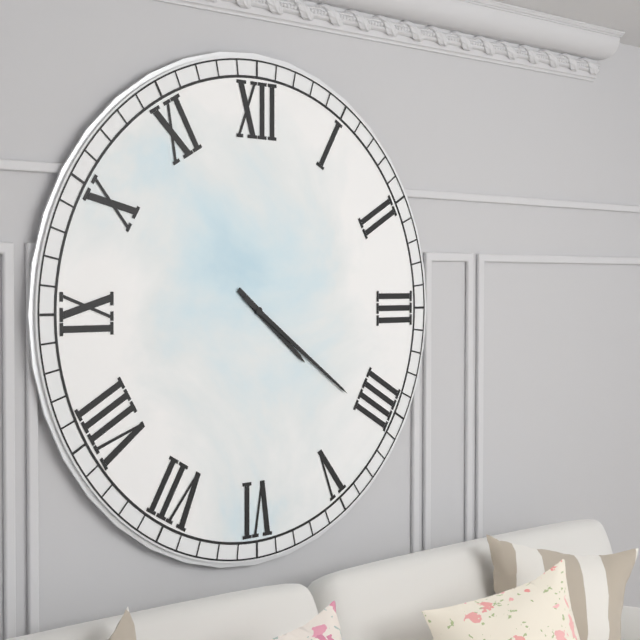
4:21
